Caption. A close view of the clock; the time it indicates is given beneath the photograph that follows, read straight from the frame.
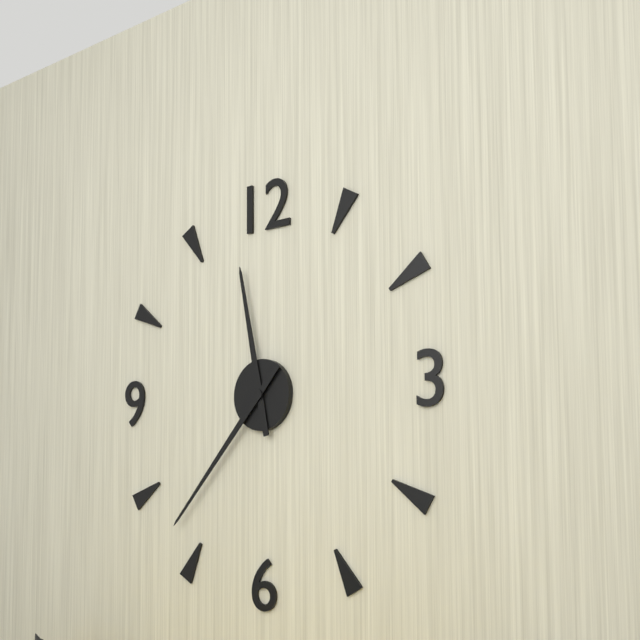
11:37
